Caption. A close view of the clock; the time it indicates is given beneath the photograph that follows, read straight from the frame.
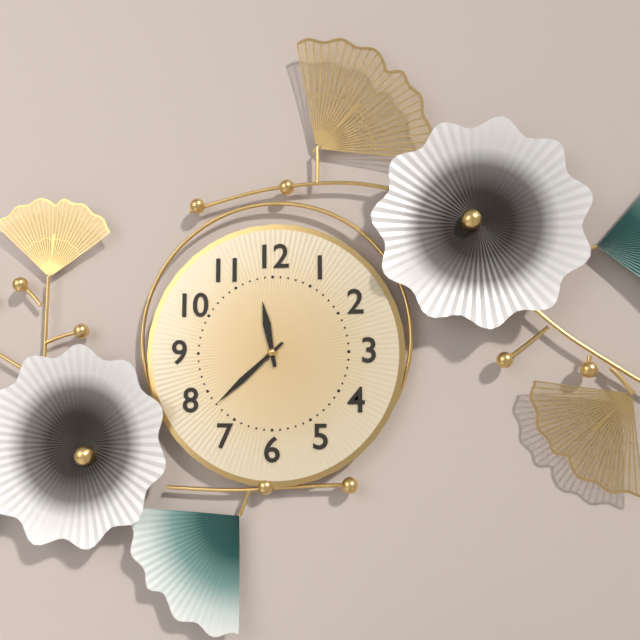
11:38
